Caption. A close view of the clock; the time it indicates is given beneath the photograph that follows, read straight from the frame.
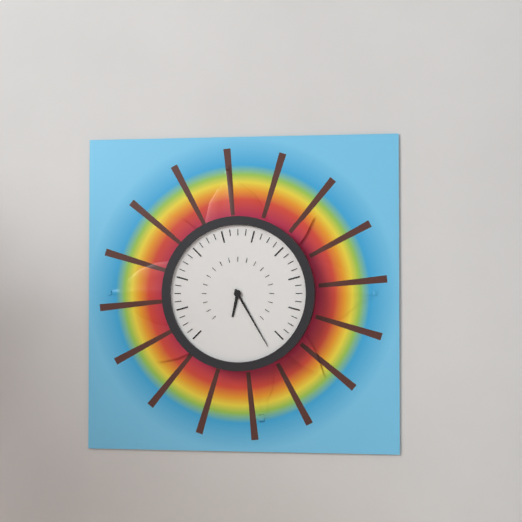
6:25
